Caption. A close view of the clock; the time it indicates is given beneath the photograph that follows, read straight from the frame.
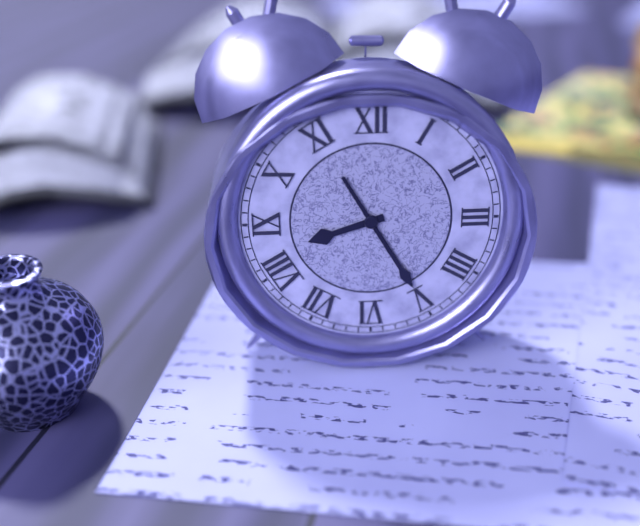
8:25
